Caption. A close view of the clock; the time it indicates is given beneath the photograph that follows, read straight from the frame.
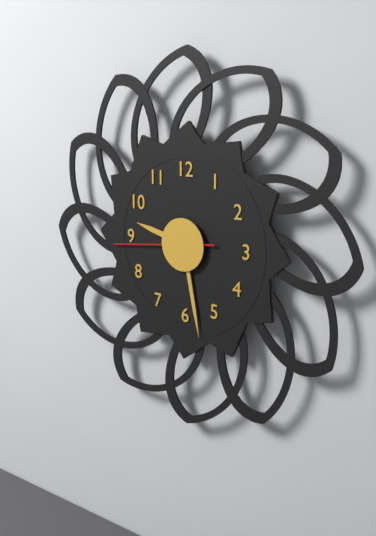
9:28:44
